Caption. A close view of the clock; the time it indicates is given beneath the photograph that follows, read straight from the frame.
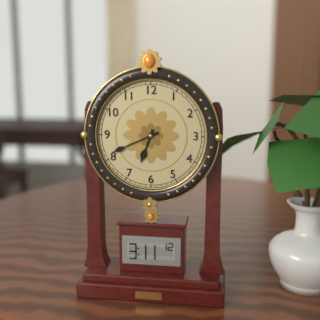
6:41
